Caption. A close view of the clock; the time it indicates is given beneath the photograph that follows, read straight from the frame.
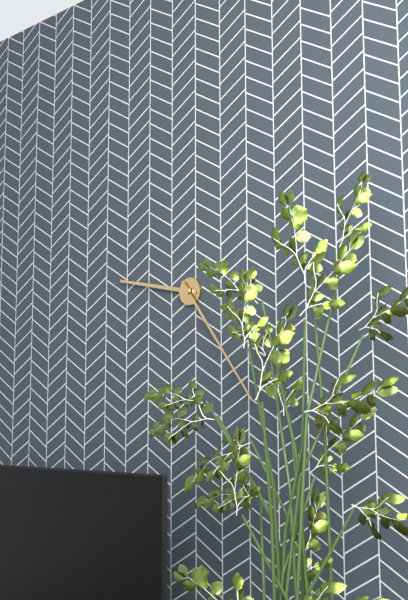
9:24
